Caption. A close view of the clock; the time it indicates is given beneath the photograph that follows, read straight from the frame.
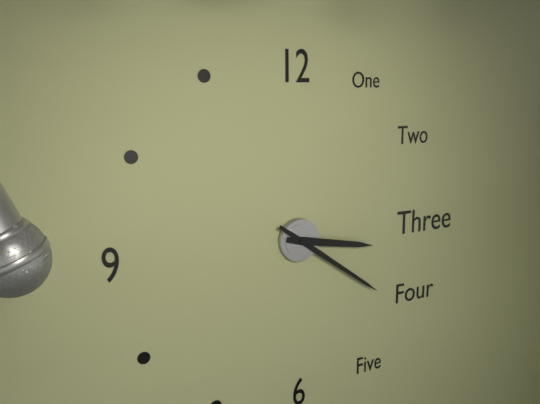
3:21
